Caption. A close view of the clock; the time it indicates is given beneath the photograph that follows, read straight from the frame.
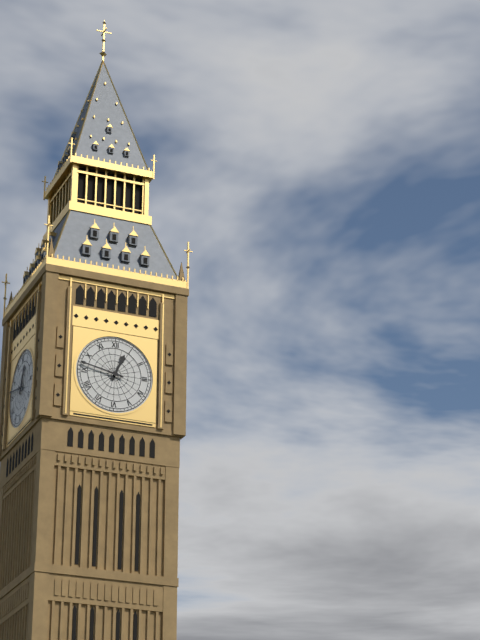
12:47
